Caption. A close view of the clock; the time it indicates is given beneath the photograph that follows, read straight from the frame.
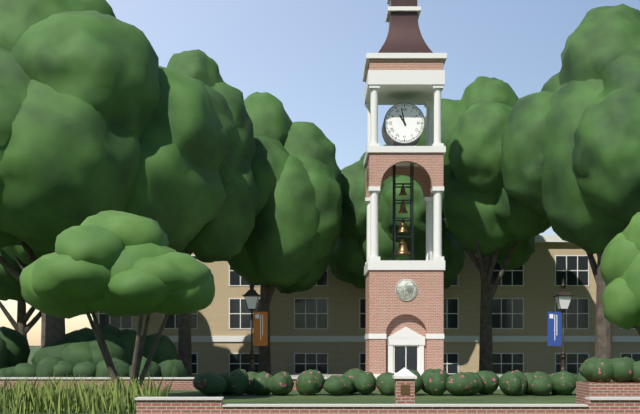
10:58
